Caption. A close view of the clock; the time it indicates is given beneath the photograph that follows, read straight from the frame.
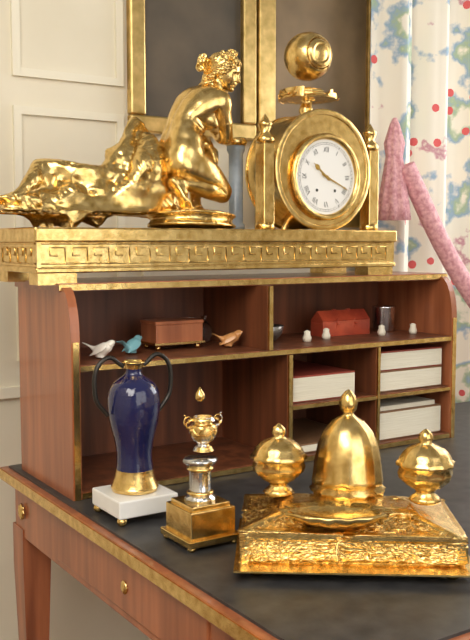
10:19
